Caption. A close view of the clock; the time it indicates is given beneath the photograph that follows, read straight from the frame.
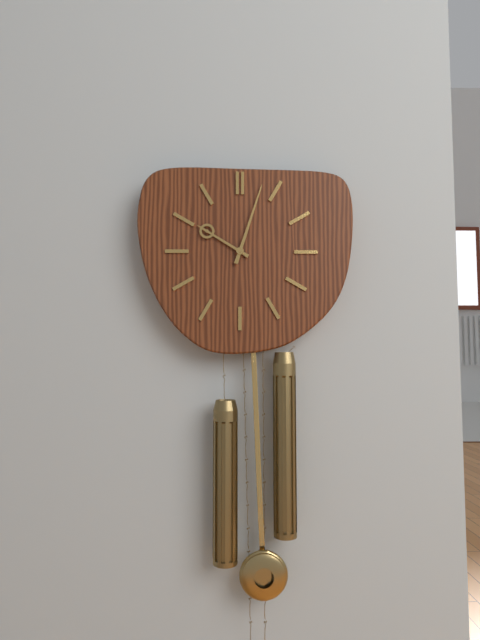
10:03
